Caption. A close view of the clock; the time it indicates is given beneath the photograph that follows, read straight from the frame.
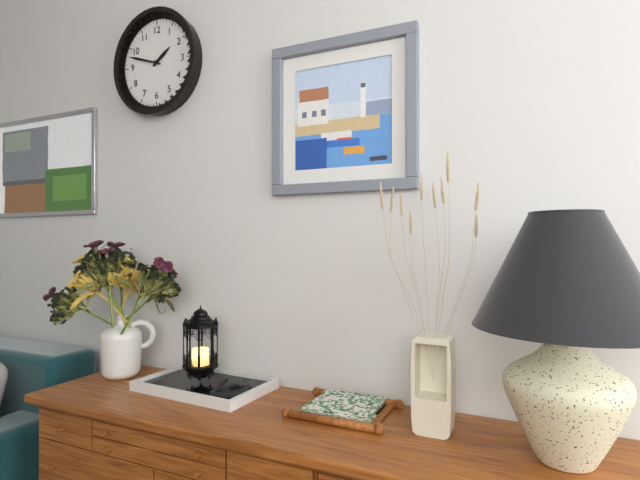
1:48
